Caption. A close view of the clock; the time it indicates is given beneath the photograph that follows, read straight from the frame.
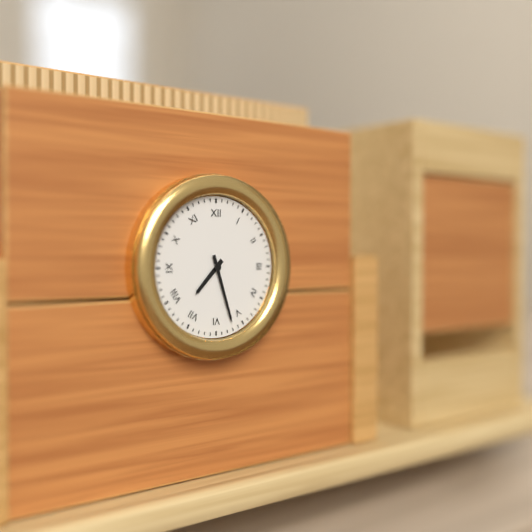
7:27
